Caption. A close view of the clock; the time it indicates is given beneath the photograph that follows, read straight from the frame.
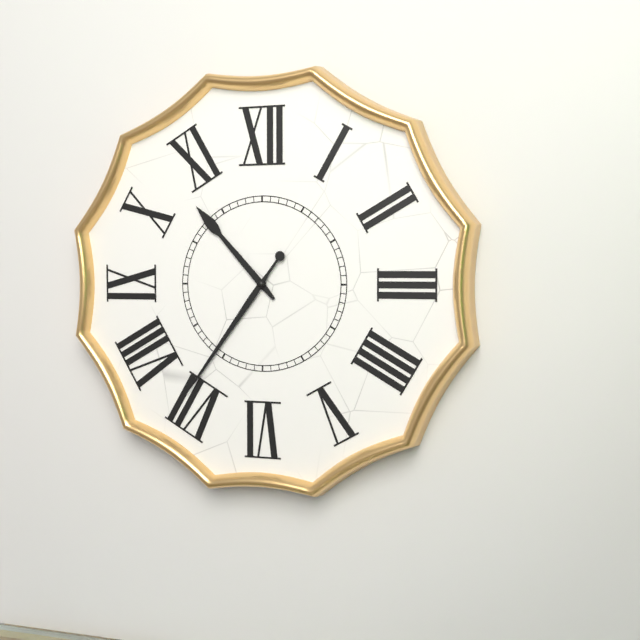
10:36
